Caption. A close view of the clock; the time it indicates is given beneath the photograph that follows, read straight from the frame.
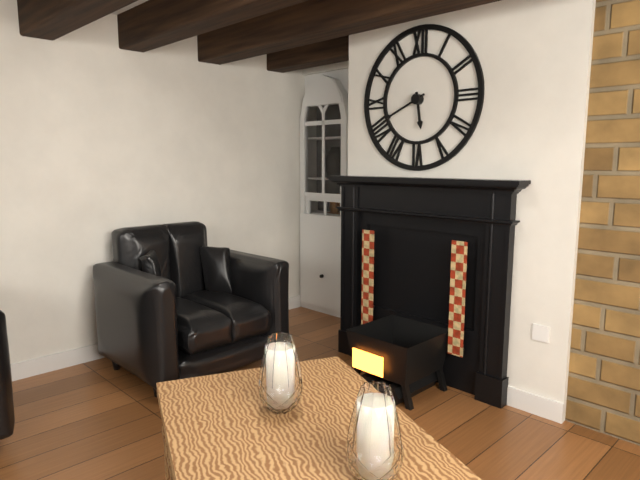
5:41
